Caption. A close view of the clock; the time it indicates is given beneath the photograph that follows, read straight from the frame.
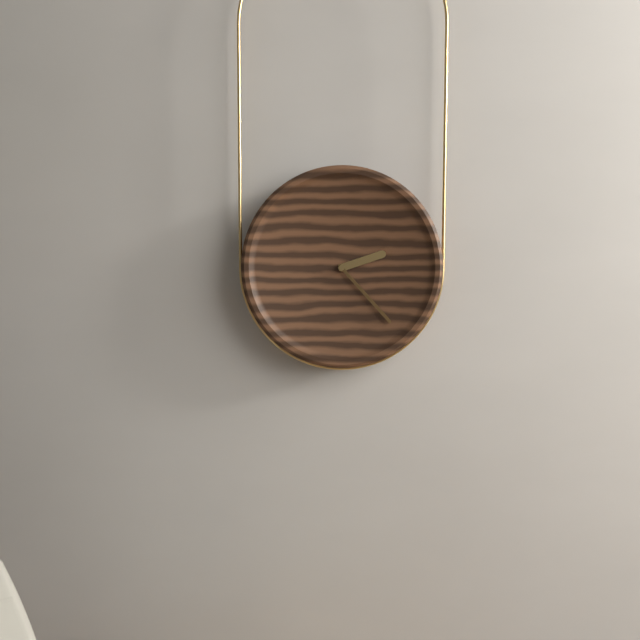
2:23
